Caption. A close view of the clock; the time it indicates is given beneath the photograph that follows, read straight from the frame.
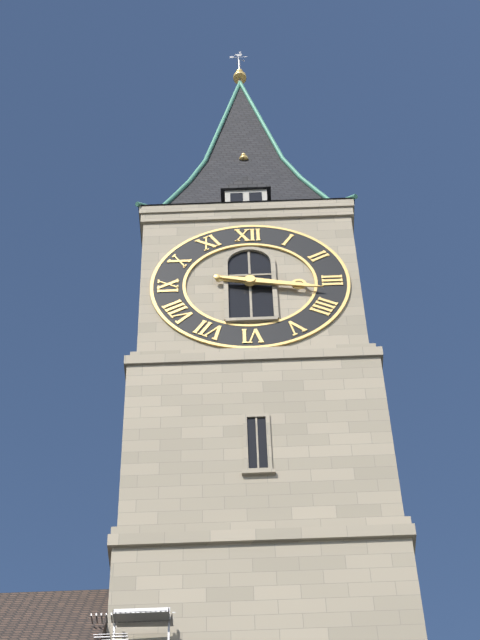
3:17
